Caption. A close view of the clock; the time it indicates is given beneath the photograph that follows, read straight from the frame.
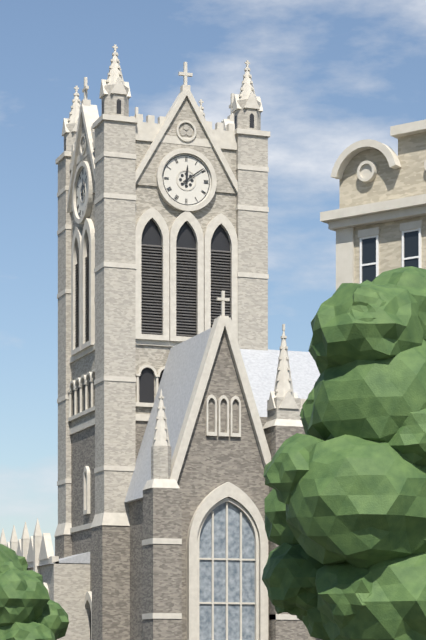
12:09
